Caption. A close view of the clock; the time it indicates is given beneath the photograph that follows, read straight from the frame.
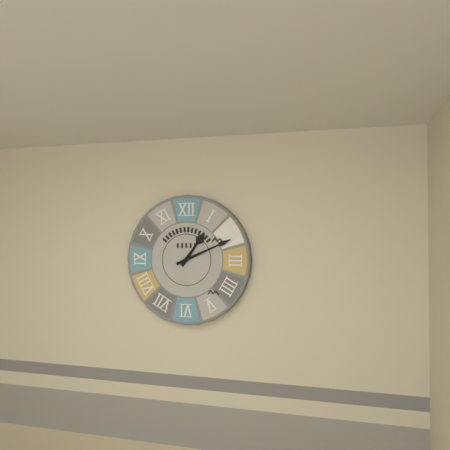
1:11
